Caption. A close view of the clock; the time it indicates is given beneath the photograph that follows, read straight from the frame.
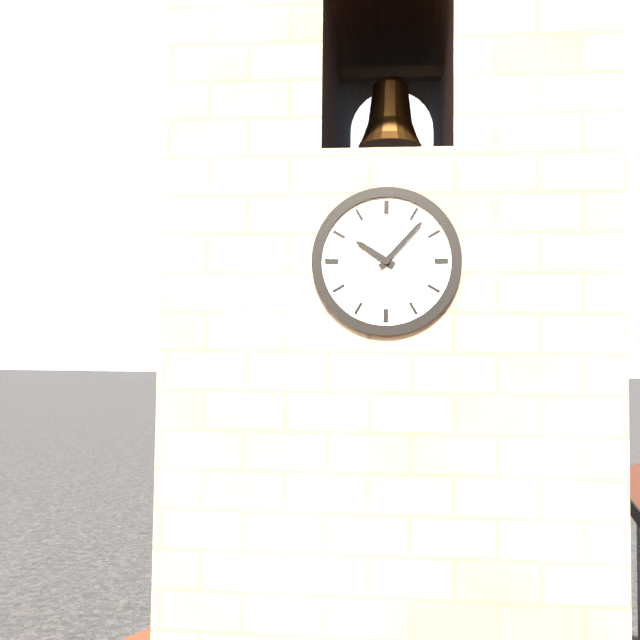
10:07
